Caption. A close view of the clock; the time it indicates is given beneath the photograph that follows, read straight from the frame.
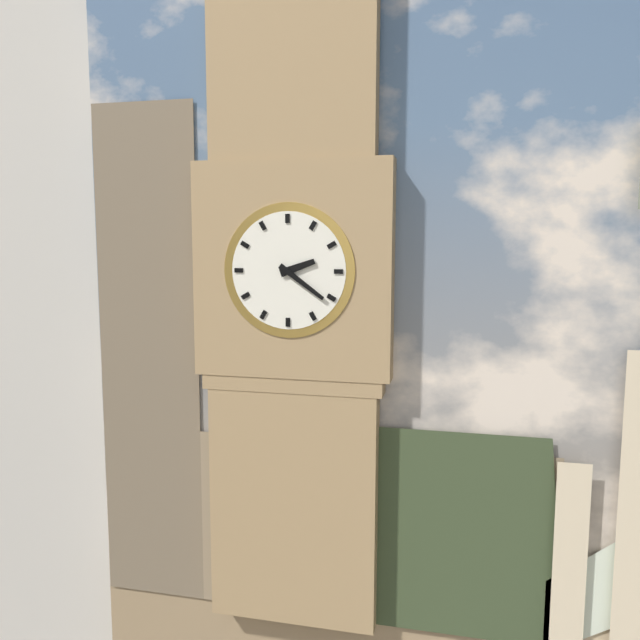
2:21
